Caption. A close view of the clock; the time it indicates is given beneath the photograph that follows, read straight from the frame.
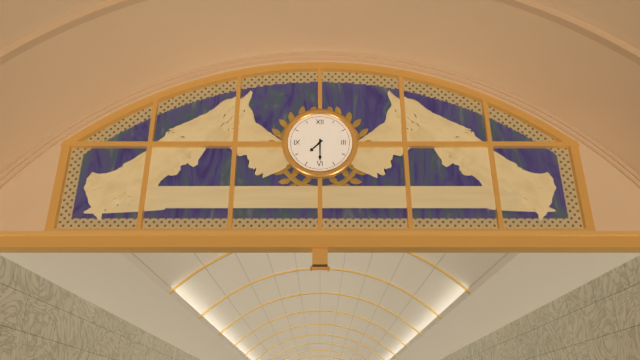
7:30
